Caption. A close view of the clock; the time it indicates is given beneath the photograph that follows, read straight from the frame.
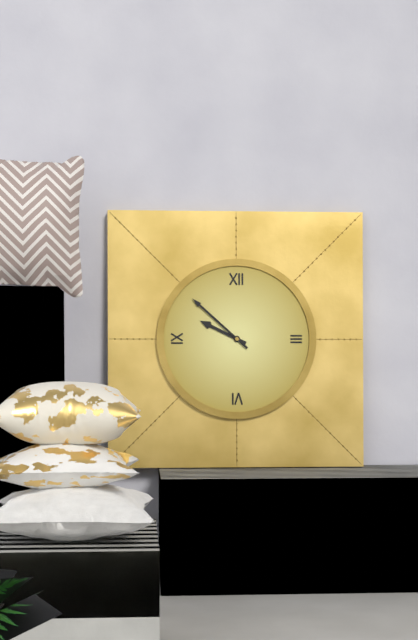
9:52
